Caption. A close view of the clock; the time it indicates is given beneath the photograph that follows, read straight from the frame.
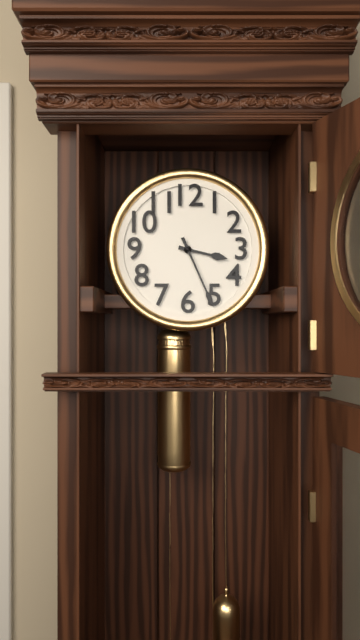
3:26
